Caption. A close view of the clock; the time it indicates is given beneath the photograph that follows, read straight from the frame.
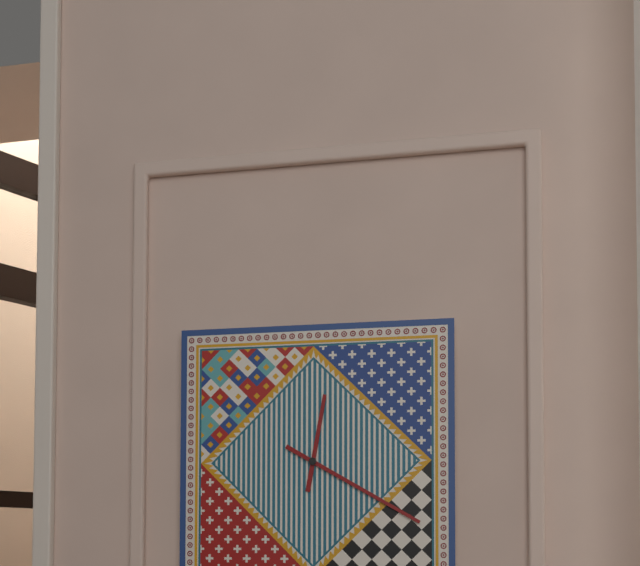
12:20
